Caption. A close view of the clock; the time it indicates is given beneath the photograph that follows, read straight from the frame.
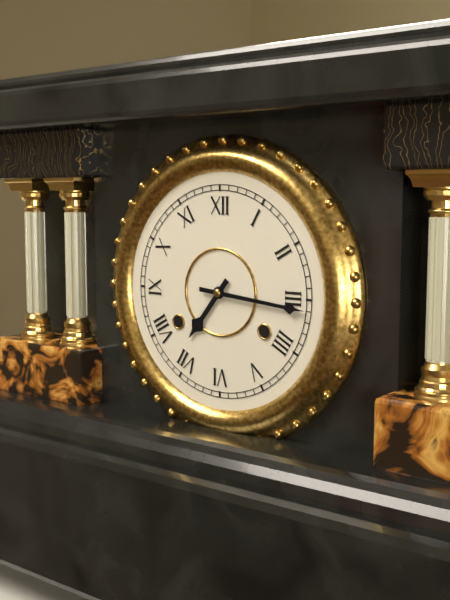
7:16
